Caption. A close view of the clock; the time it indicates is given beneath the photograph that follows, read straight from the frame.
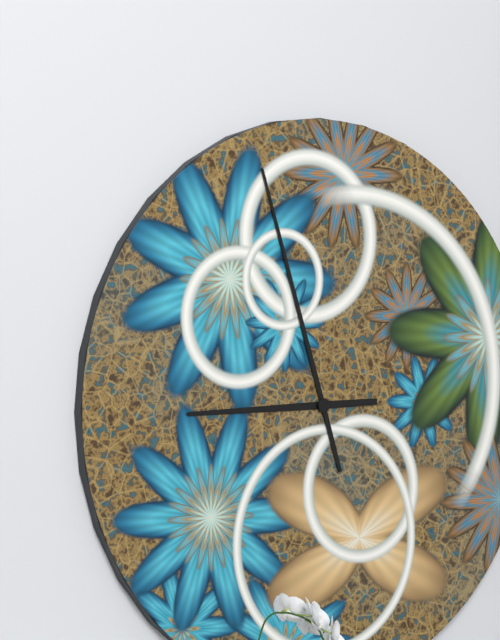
8:57
